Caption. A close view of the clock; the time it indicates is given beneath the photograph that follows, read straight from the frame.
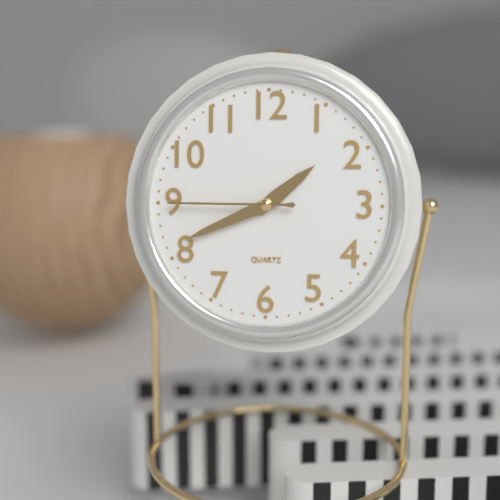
1:41:45
